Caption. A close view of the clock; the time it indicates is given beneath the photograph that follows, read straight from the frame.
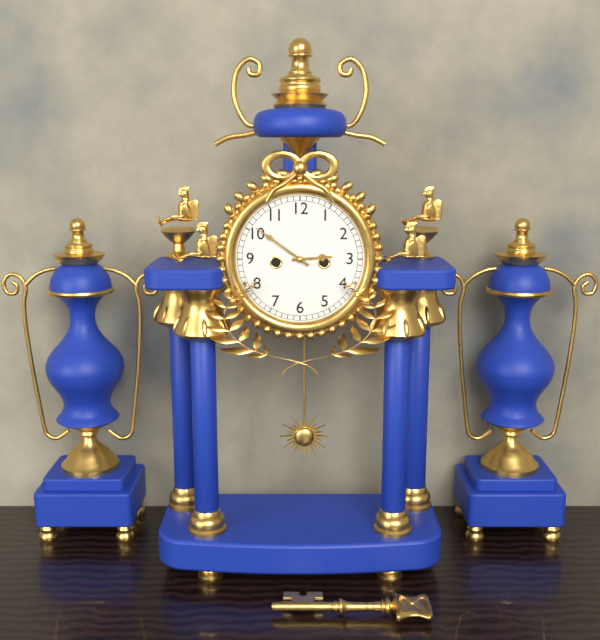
2:51
